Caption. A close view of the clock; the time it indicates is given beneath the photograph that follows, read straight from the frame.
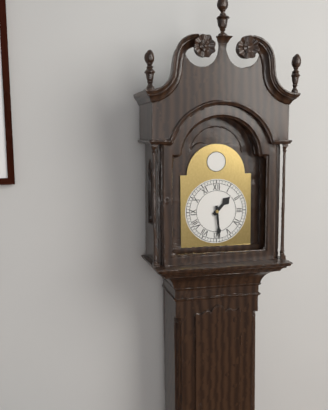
1:29
